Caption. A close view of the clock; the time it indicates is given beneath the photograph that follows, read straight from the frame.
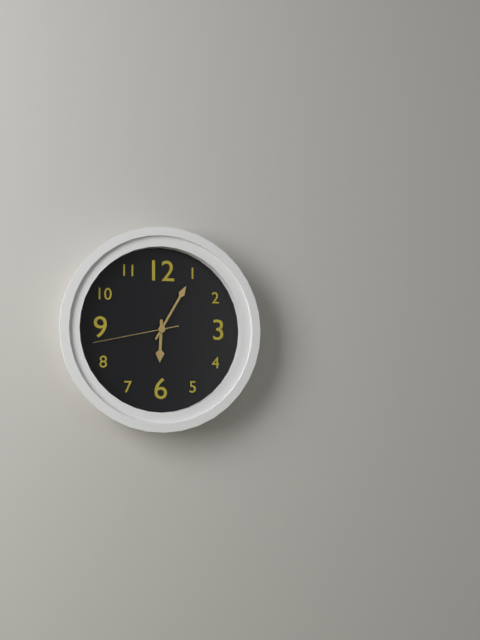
6:05:43
